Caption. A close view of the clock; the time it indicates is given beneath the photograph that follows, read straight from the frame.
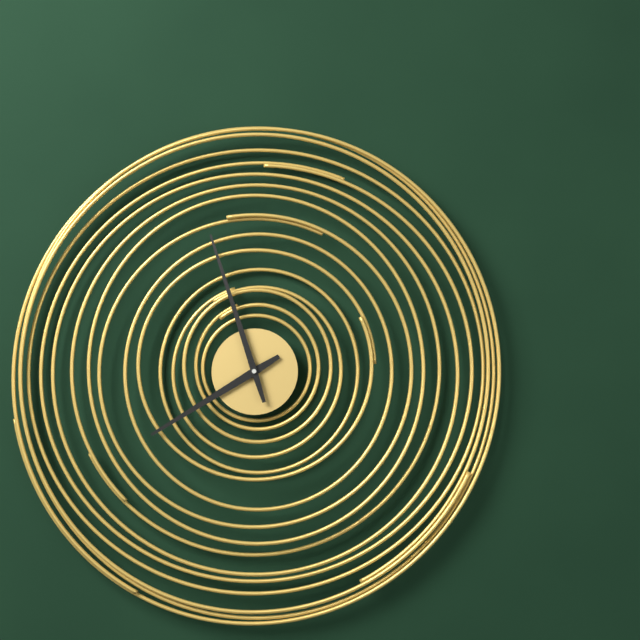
7:57
